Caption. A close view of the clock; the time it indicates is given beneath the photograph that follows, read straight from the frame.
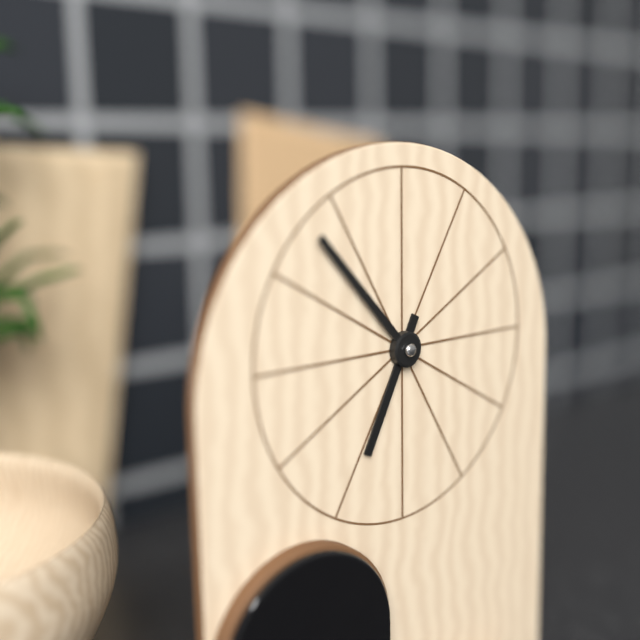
6:53
